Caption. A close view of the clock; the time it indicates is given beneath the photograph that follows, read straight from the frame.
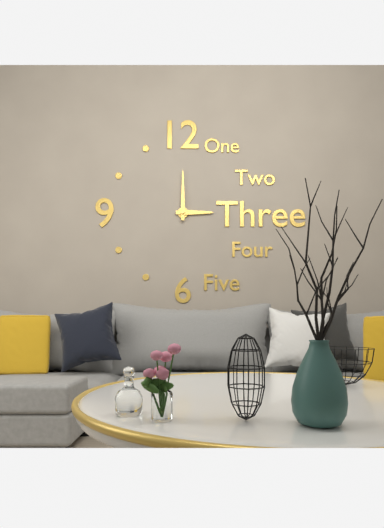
3:00
